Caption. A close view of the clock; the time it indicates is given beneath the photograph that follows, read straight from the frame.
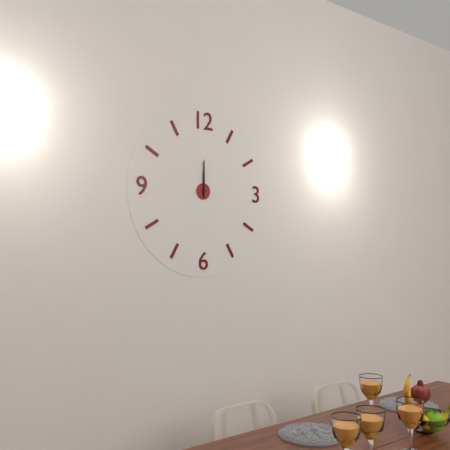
12:00
